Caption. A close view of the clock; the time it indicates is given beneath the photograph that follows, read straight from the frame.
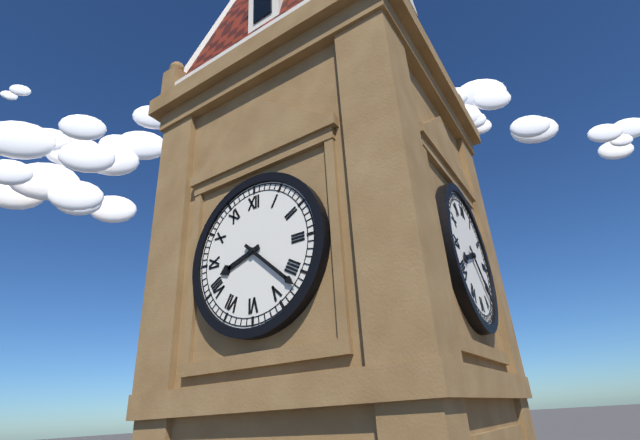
8:22
